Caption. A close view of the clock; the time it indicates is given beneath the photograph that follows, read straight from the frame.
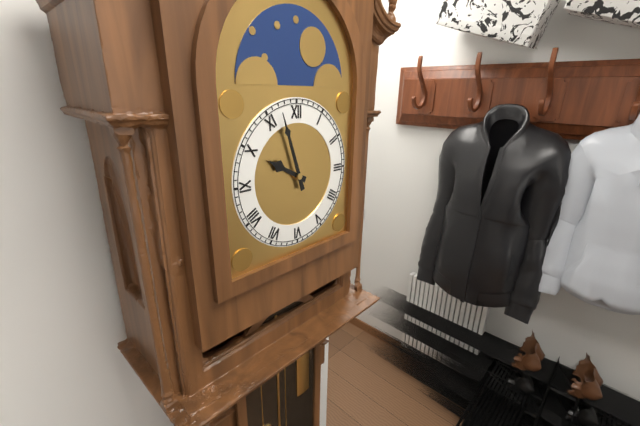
9:57
